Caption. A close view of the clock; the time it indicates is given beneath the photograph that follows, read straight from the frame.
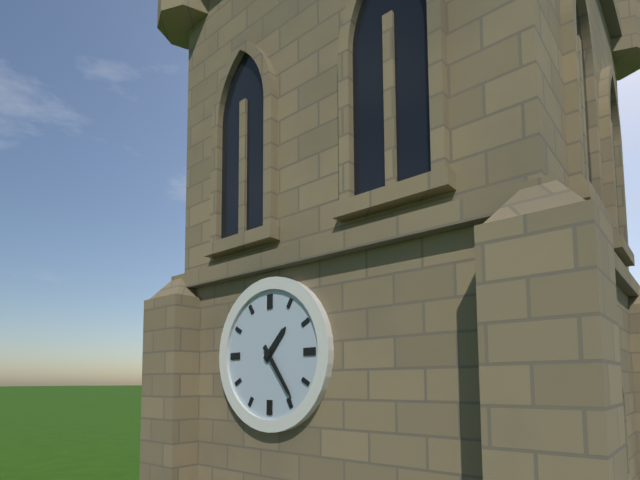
1:24
